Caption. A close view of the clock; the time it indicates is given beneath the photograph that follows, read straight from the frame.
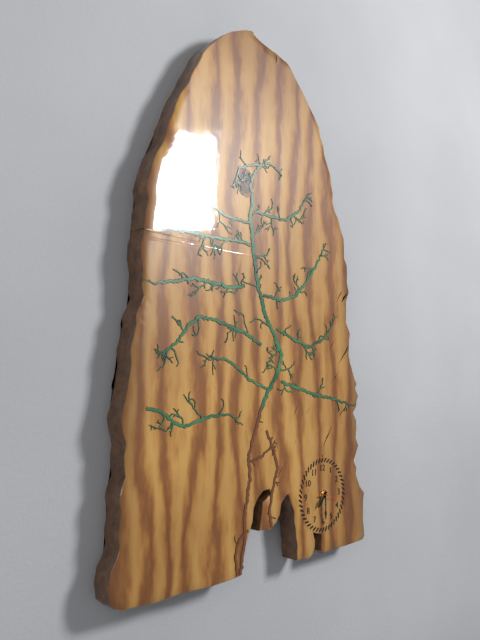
7:30
